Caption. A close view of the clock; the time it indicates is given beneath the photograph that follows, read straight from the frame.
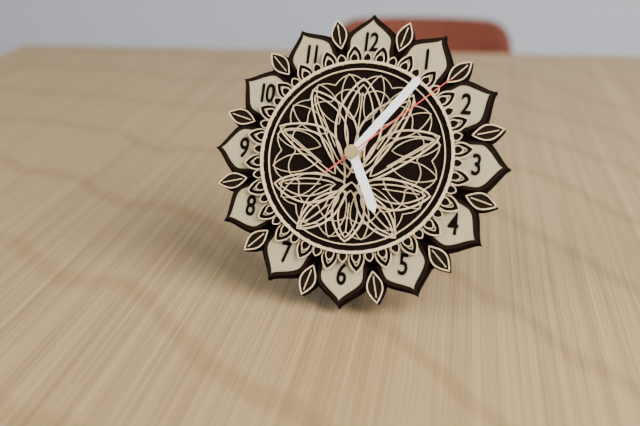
5:06:08
